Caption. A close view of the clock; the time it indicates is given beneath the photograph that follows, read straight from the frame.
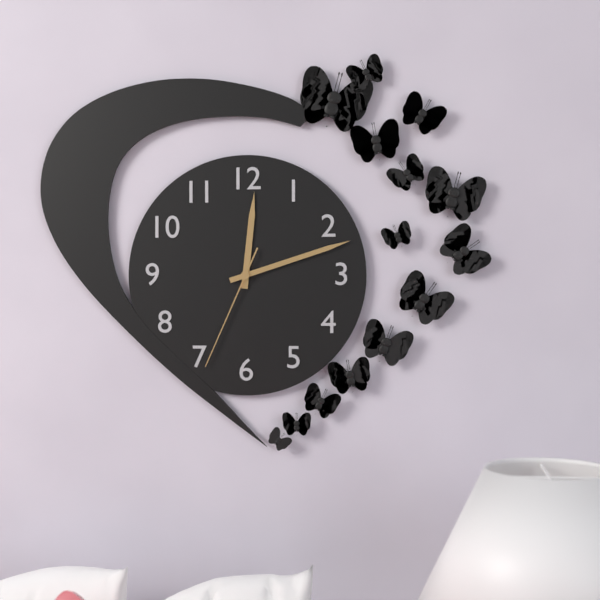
12:12:34
